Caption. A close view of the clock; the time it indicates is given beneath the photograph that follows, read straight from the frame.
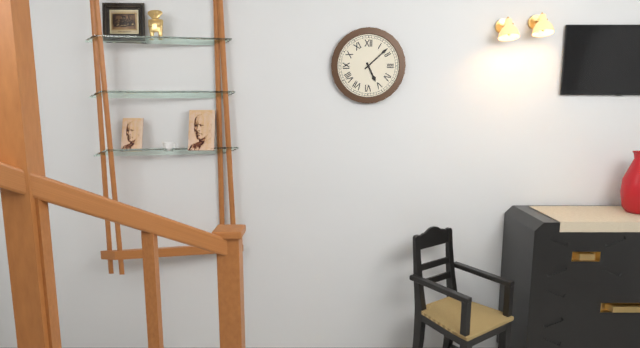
5:08
